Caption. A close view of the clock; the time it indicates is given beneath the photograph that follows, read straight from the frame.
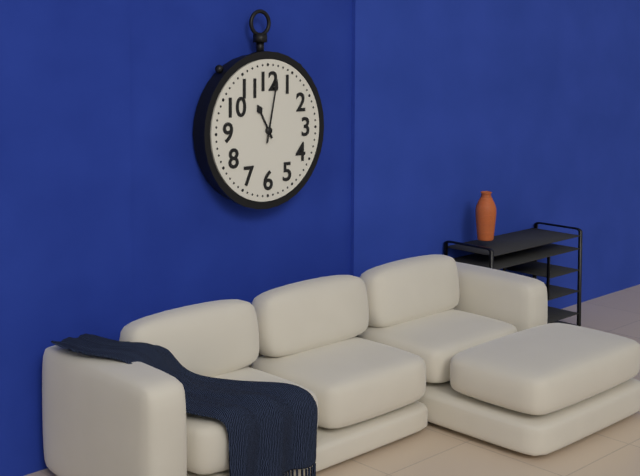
11:02
